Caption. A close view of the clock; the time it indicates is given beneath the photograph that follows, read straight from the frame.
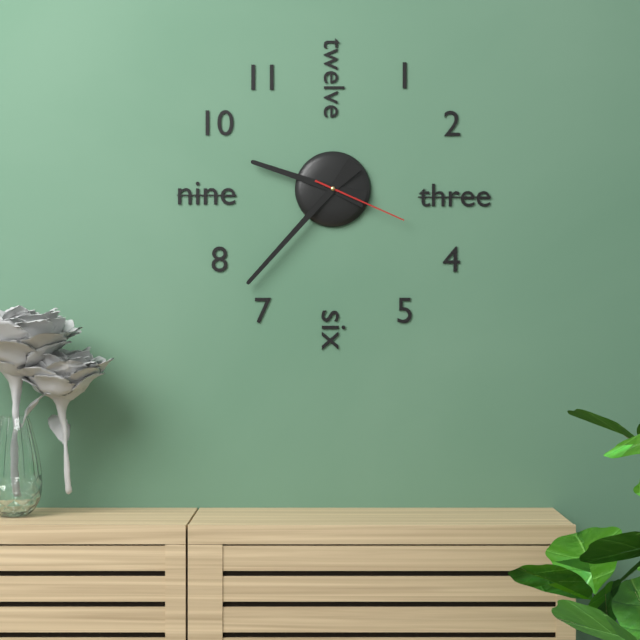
9:37:19
